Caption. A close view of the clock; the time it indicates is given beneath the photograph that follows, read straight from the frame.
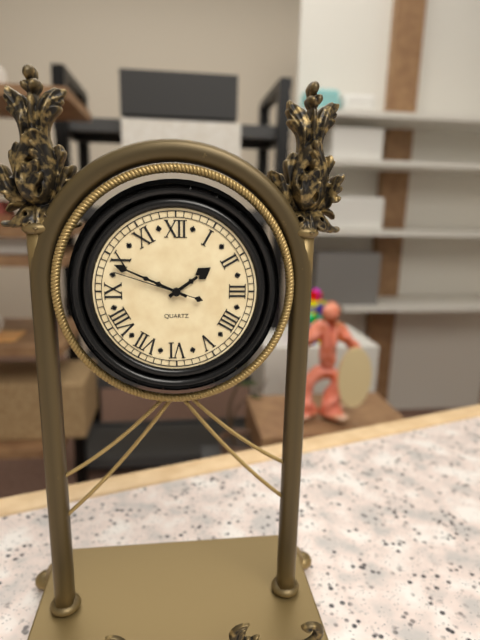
1:49:48
